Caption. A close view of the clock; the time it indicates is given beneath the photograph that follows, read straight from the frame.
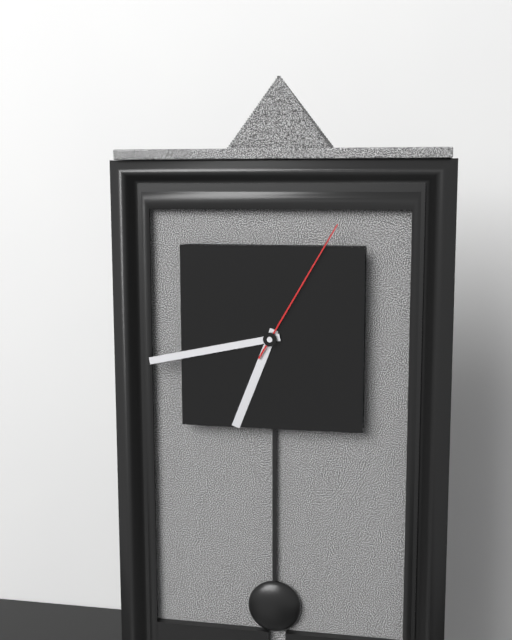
6:43:05
